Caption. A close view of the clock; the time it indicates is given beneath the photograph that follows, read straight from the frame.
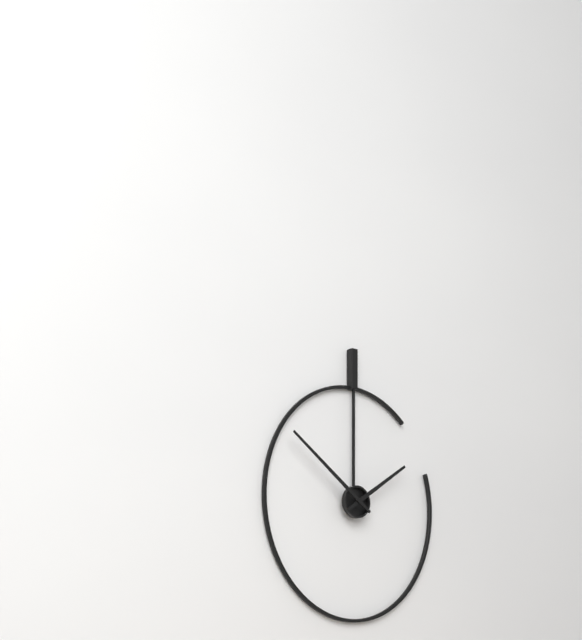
1:51
